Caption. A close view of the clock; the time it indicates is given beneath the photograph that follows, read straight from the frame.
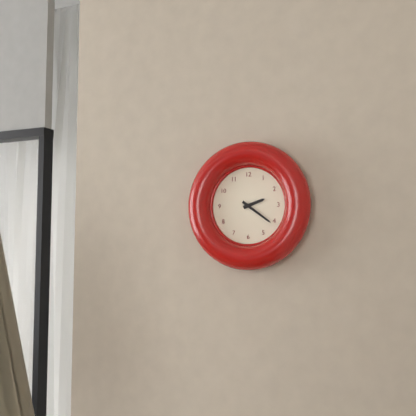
2:21
